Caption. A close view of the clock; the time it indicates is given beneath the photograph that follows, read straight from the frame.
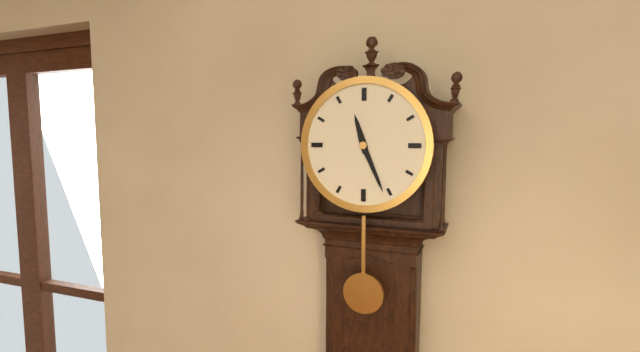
11:26
